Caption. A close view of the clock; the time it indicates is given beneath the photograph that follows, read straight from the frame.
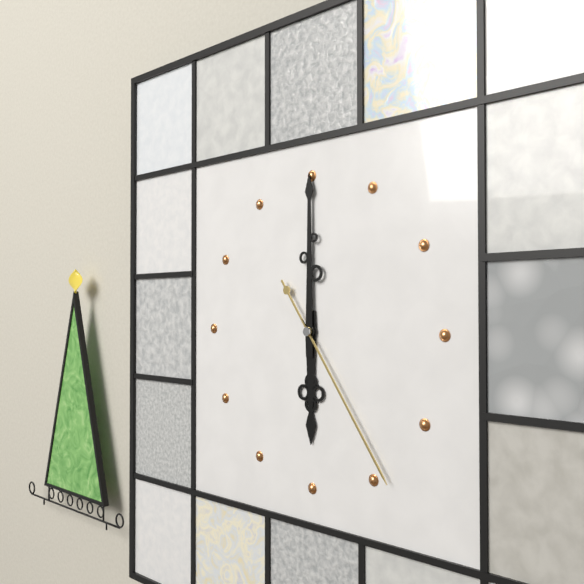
6:00:24
